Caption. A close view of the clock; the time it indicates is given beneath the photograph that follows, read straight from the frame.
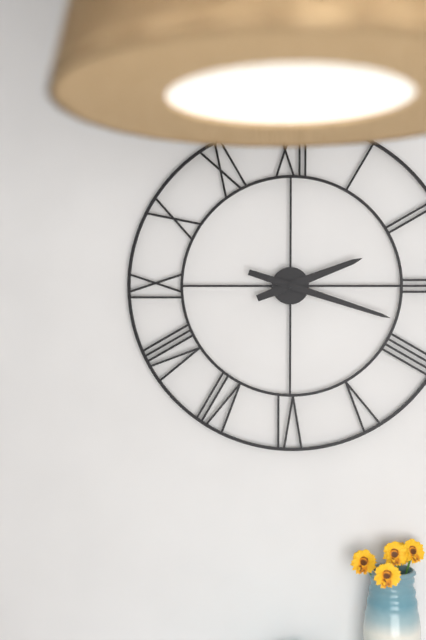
2:18
